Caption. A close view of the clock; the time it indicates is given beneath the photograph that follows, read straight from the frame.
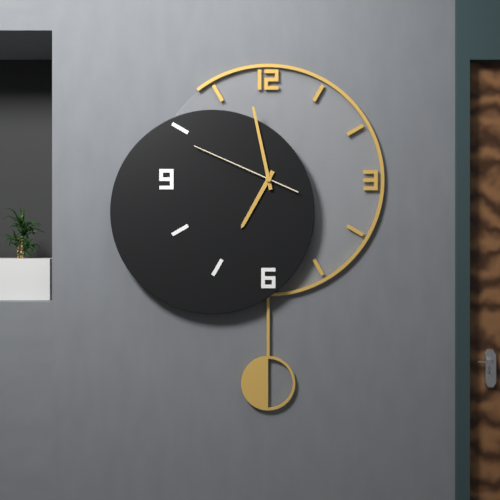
6:58:49
